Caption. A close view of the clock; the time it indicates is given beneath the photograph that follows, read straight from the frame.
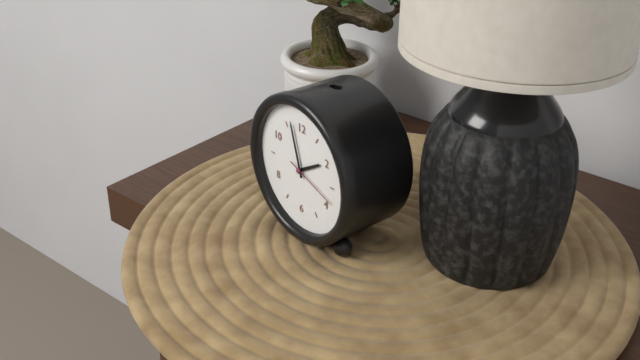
1:57:18
